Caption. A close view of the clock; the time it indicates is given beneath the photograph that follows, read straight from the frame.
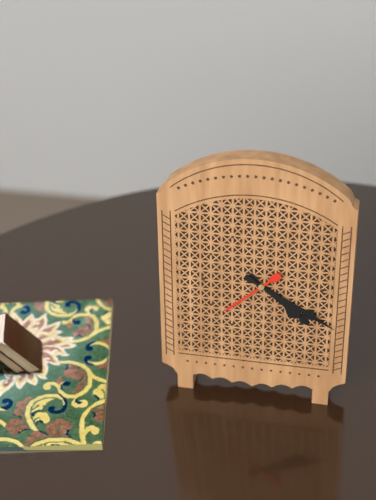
4:20:38
